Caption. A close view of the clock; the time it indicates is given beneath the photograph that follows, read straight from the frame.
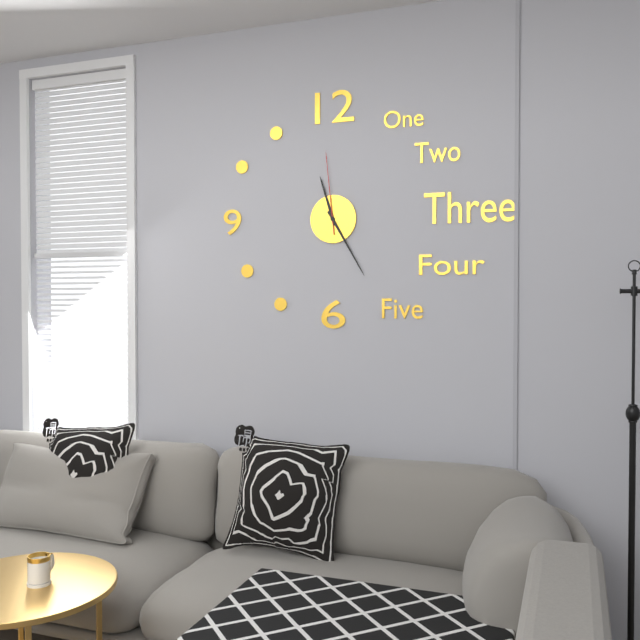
11:25:59
